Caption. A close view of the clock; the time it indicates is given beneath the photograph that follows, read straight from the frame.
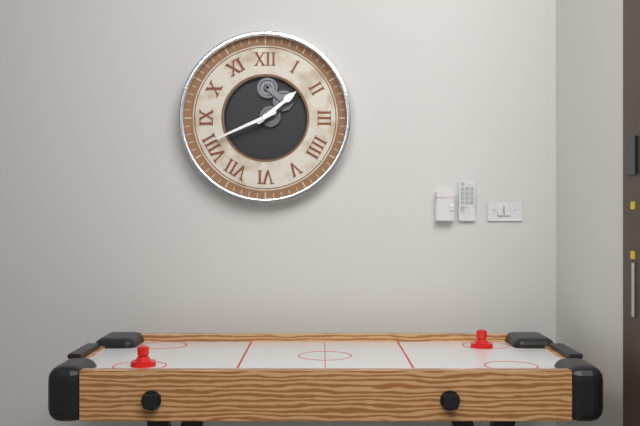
1:41
